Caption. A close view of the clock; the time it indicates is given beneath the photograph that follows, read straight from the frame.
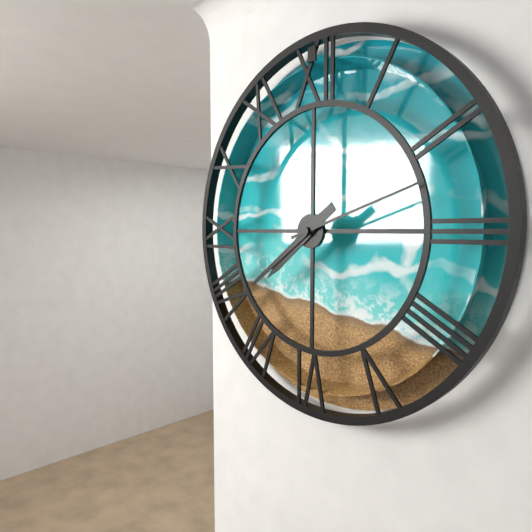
7:39:12
